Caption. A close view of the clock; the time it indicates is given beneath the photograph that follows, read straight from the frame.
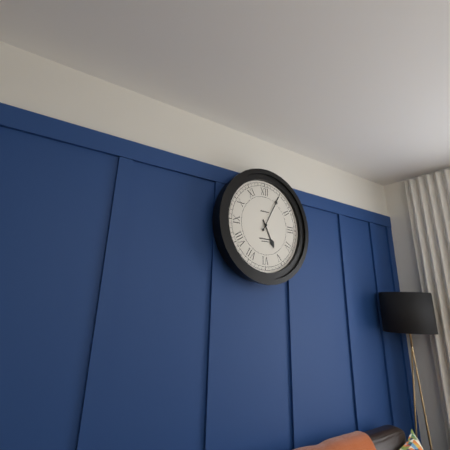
5:05
